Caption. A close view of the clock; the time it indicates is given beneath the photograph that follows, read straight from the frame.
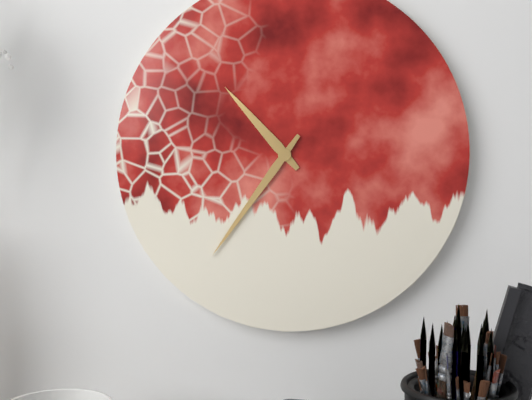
10:36
